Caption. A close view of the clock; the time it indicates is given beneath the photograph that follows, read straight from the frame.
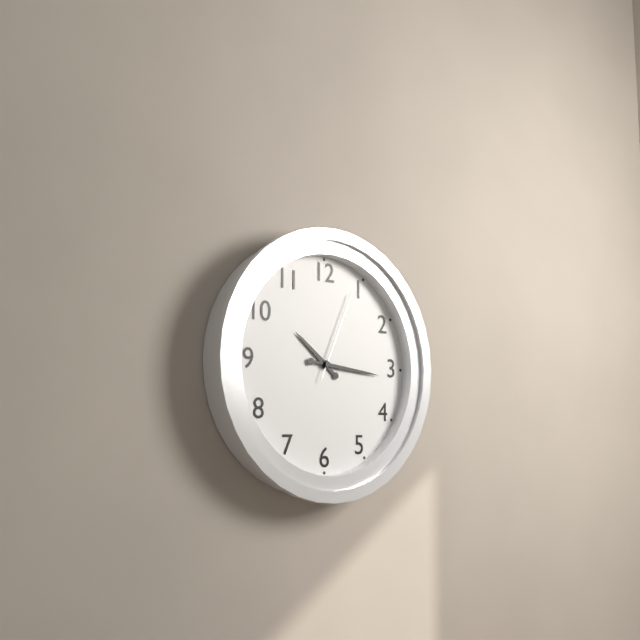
10:16:04
